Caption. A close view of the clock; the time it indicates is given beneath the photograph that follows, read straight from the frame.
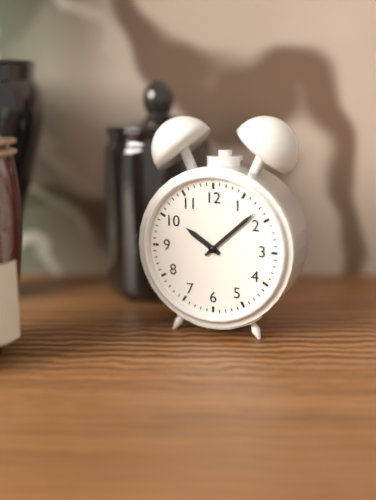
10:08
